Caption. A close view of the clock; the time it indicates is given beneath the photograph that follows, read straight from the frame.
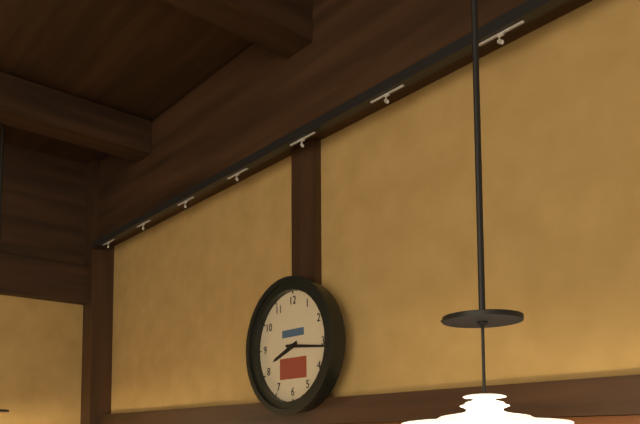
8:16
